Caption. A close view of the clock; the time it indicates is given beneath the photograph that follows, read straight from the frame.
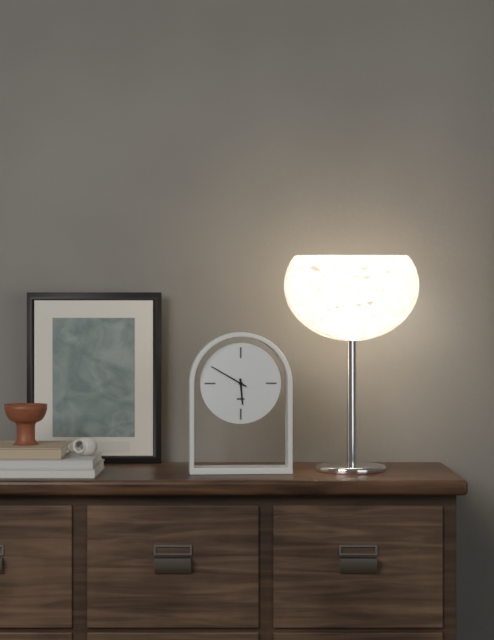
5:50
